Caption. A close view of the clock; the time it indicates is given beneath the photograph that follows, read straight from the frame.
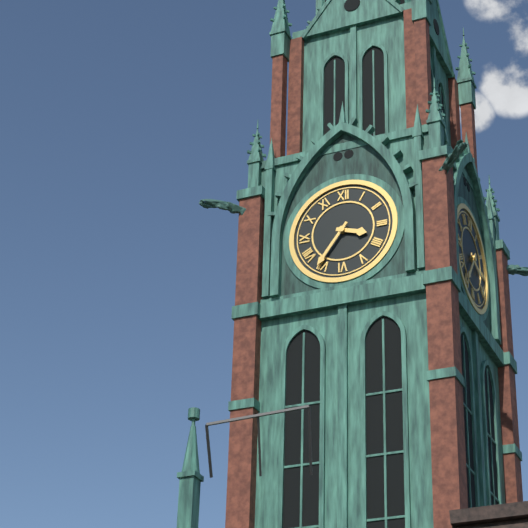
3:36
